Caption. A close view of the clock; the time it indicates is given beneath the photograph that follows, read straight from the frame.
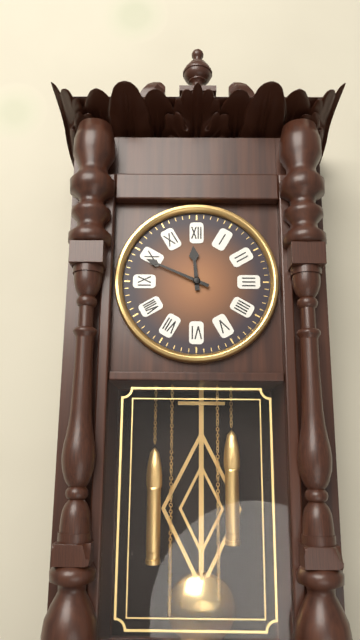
11:49
